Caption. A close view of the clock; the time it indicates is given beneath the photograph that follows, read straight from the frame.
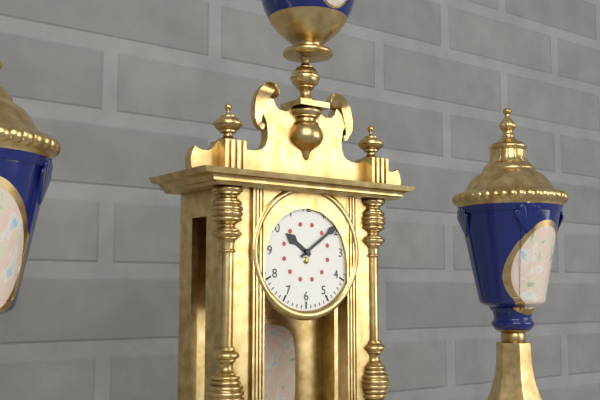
10:09
